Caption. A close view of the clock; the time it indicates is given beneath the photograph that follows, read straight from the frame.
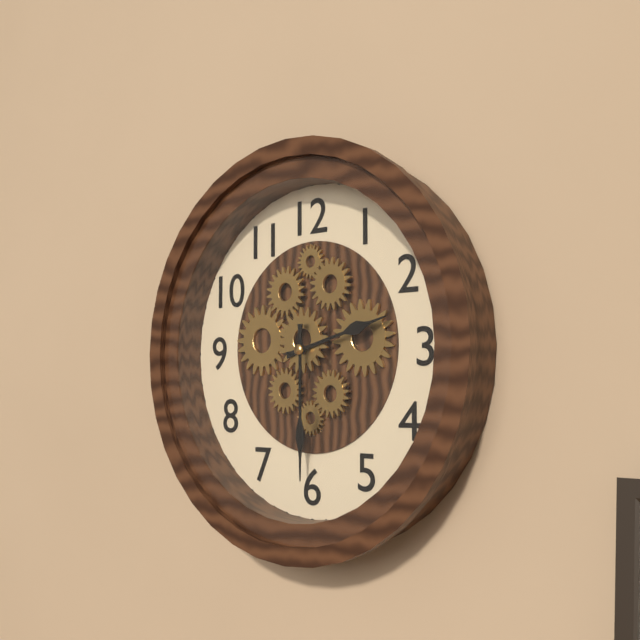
2:30
